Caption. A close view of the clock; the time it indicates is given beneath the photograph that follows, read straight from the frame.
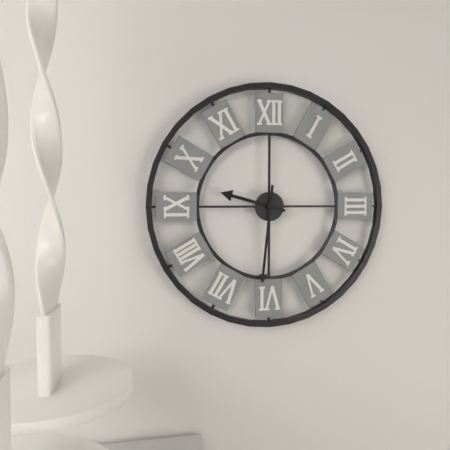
9:31
